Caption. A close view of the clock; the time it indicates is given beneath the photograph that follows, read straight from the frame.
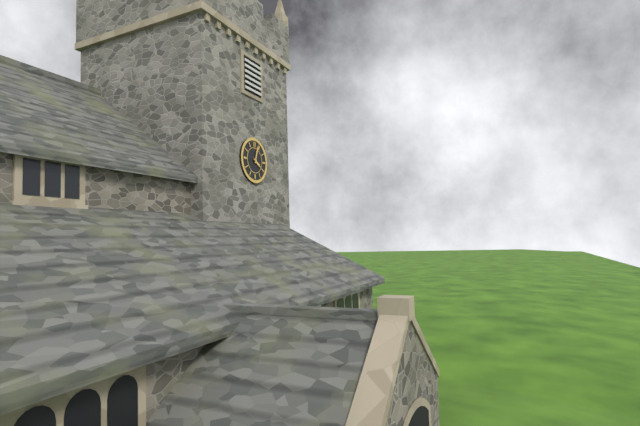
4:03
